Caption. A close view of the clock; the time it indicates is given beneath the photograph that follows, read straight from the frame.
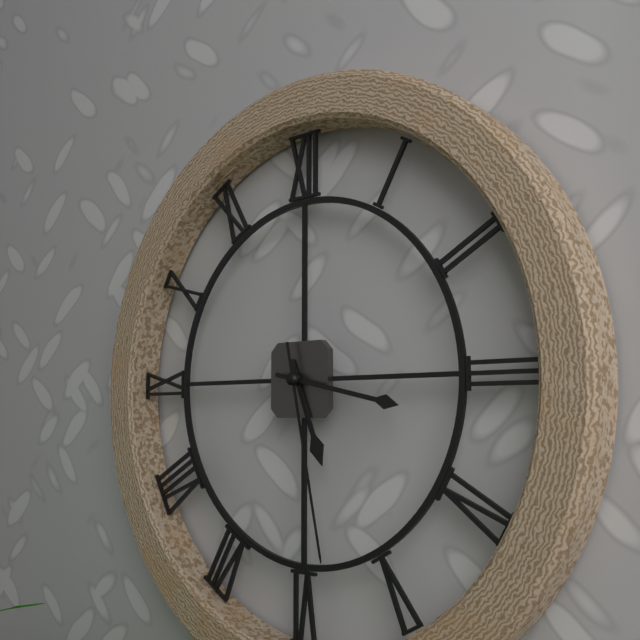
5:17:28
